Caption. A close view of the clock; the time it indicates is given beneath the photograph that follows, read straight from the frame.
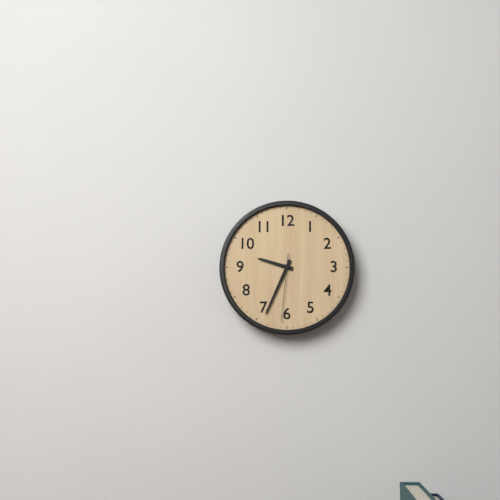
9:34:31
